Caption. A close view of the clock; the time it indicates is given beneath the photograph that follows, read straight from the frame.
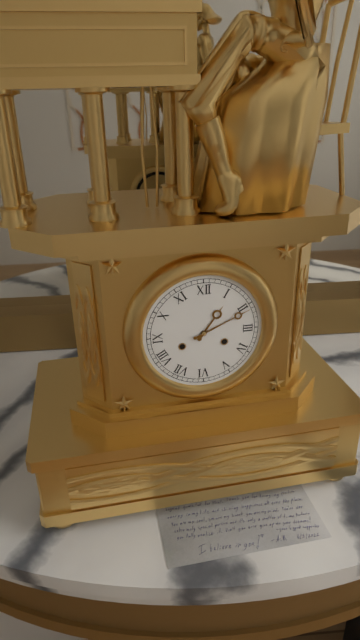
1:11
